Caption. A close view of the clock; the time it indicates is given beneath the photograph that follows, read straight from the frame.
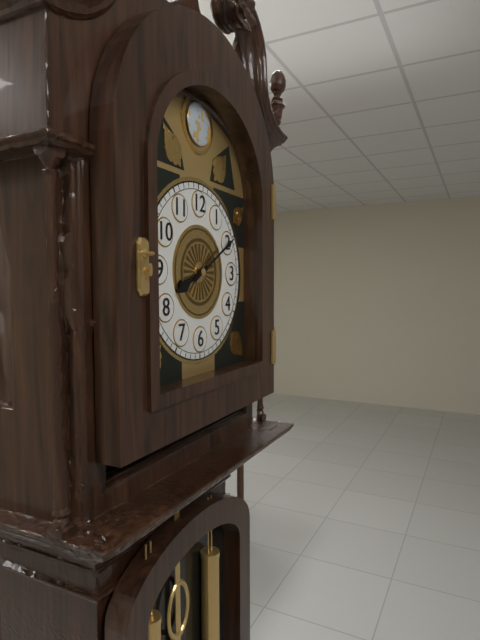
8:10
